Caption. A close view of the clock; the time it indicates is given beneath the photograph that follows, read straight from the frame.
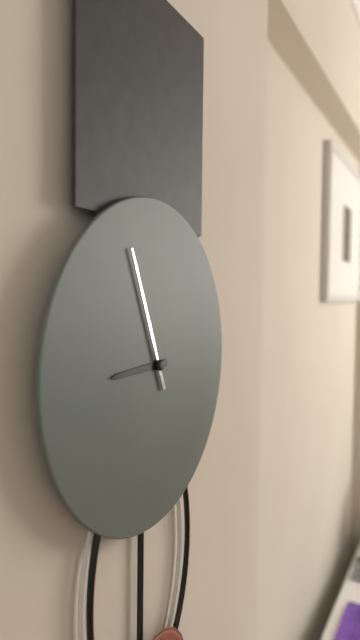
8:56
